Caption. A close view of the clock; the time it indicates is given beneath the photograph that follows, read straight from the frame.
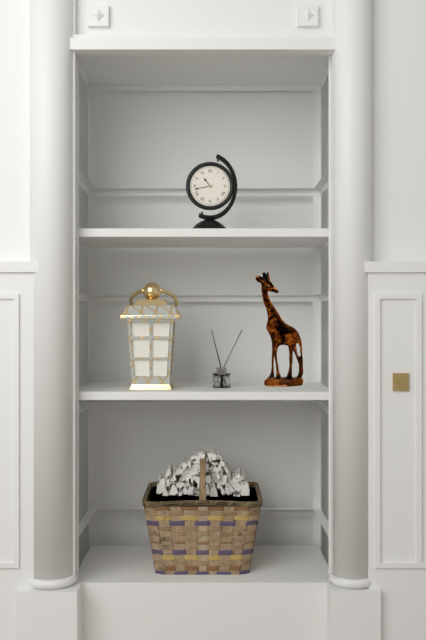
10:43
